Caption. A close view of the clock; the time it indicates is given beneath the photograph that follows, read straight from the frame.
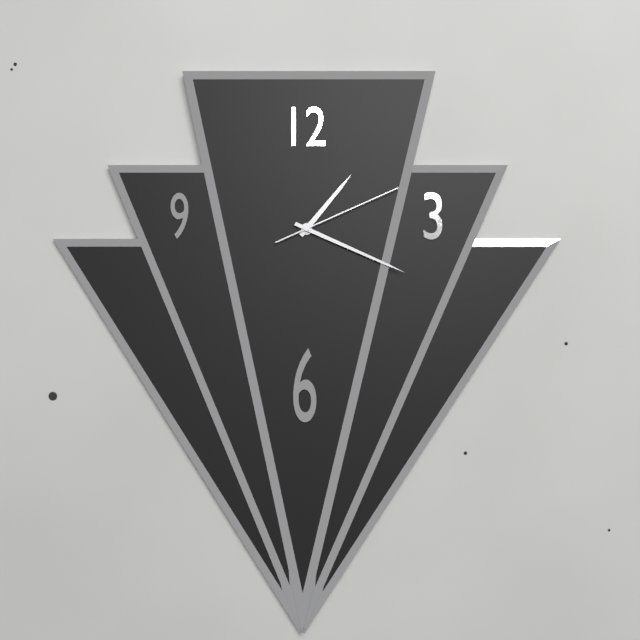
1:19:11
